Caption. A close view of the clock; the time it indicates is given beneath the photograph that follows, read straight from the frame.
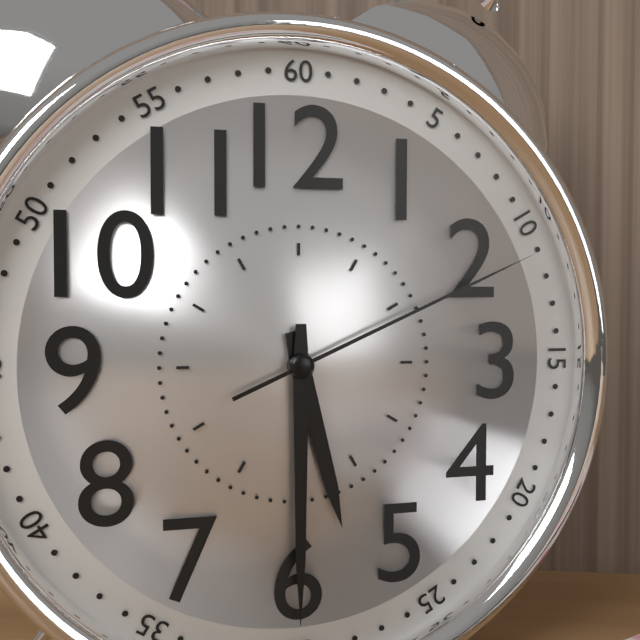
5:30:11
